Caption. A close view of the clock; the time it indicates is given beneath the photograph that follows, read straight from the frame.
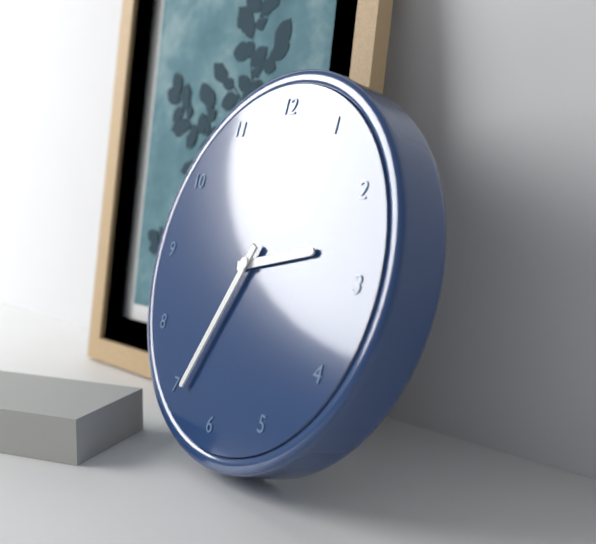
2:34
